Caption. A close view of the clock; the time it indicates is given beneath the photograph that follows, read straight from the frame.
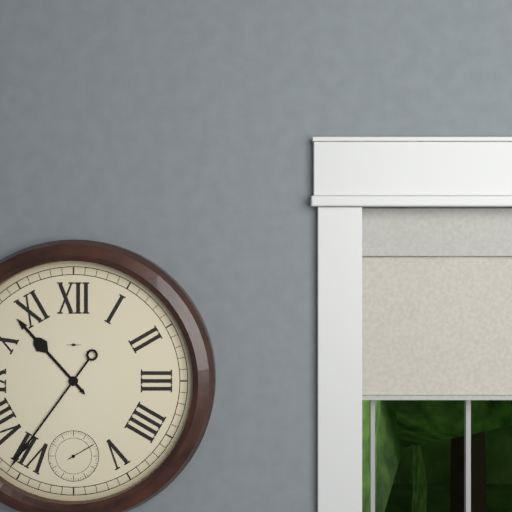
10:36
